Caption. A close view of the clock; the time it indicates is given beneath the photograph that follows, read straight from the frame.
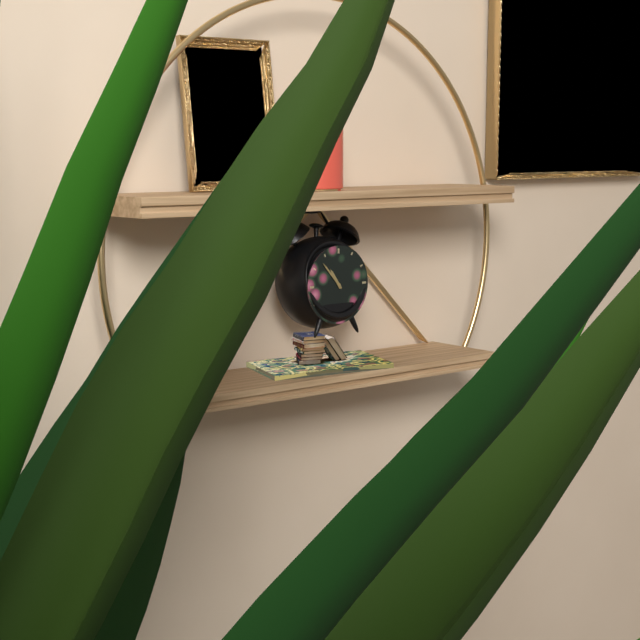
10:53
